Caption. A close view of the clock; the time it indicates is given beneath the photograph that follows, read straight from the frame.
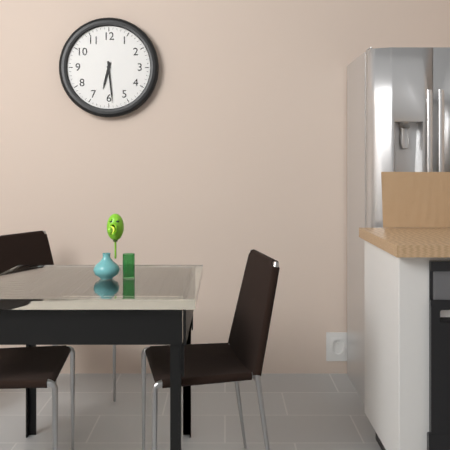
6:29
